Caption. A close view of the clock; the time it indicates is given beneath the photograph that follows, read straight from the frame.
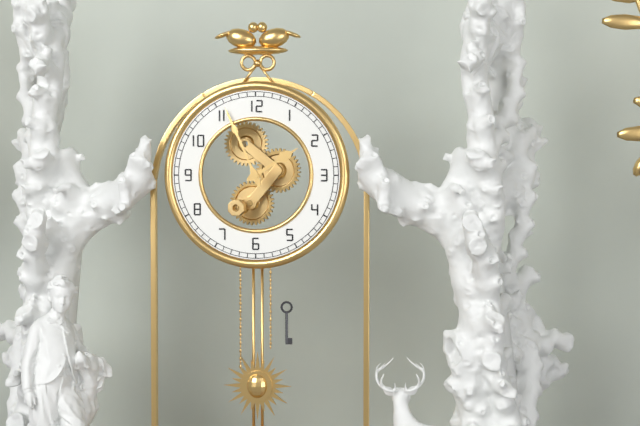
1:56
